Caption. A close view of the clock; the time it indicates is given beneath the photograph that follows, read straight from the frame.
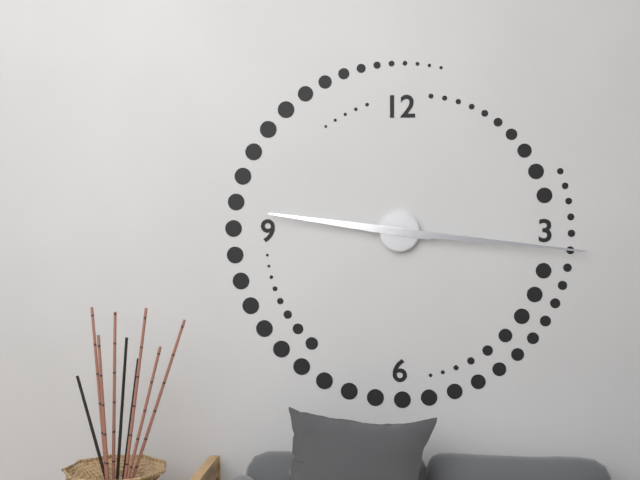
9:16
